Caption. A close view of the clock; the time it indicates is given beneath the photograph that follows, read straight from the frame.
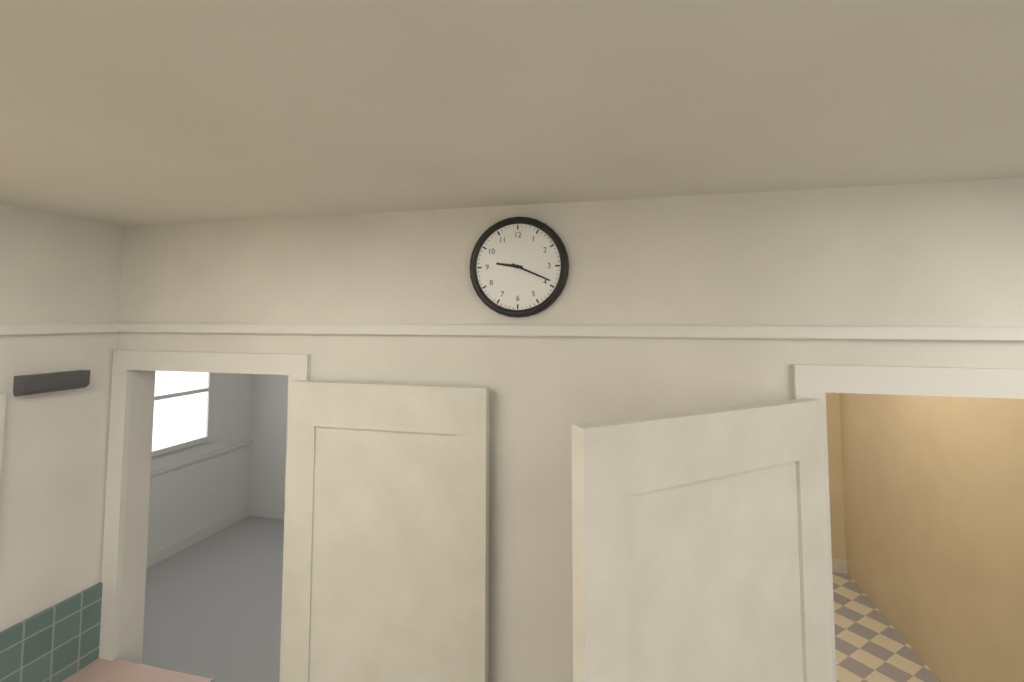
9:19
